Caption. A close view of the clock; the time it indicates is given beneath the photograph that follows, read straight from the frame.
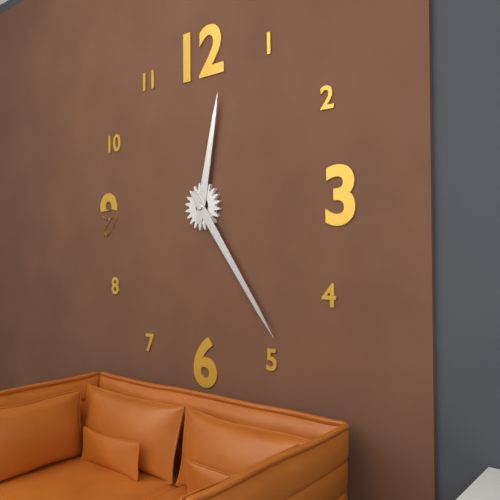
12:24
